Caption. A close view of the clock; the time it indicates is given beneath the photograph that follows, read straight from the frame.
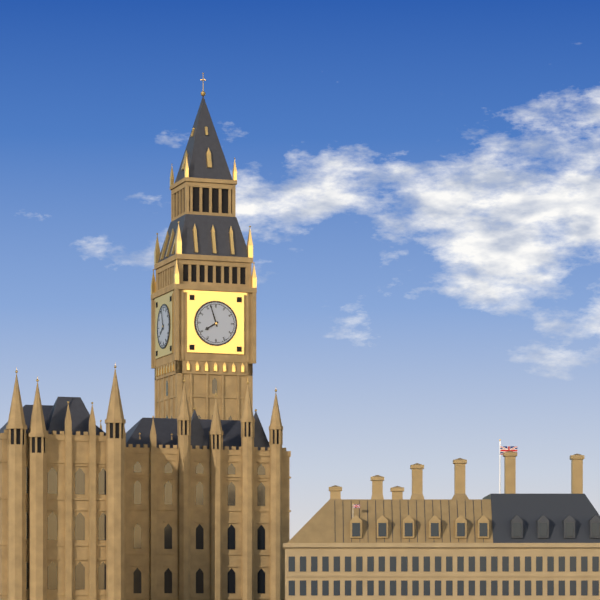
7:57
